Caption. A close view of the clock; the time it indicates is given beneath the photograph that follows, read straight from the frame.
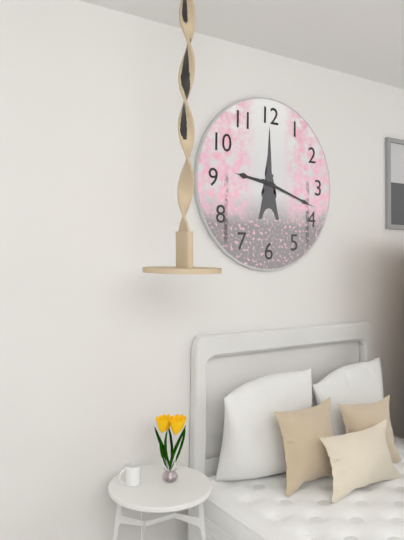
9:18
